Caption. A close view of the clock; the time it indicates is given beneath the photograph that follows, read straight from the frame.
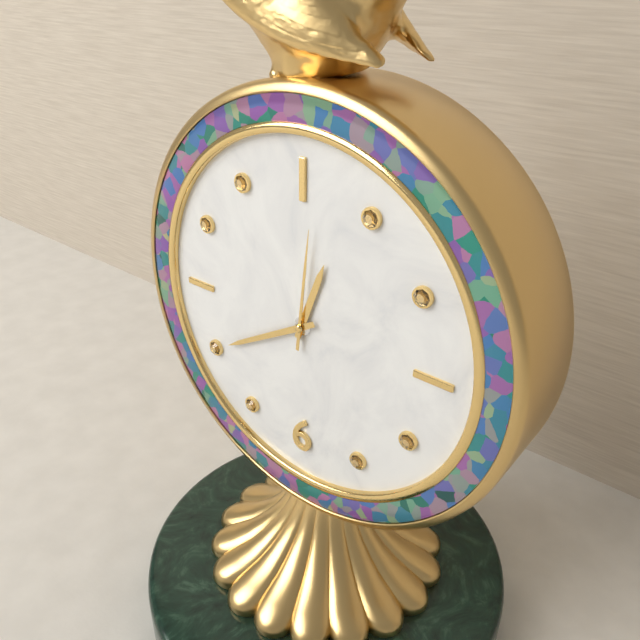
12:40:01
